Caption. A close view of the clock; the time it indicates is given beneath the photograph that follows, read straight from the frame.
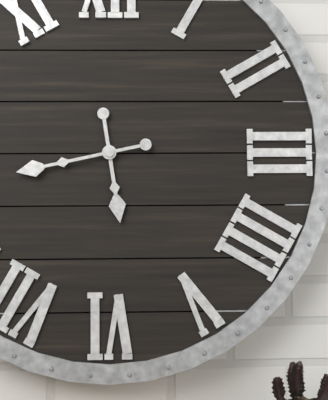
5:43
